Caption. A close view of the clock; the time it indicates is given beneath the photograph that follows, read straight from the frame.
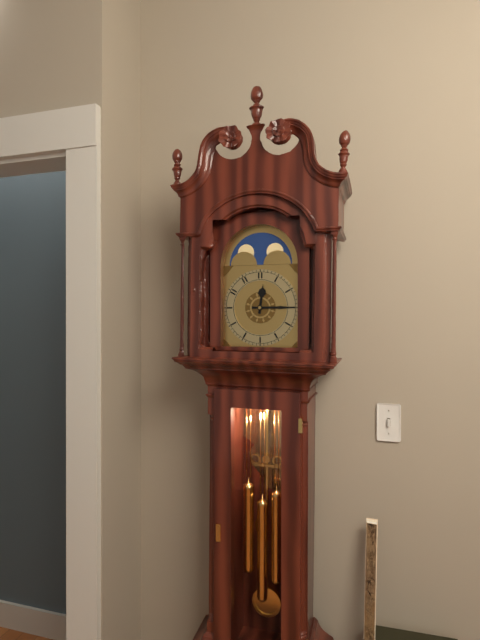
12:15
